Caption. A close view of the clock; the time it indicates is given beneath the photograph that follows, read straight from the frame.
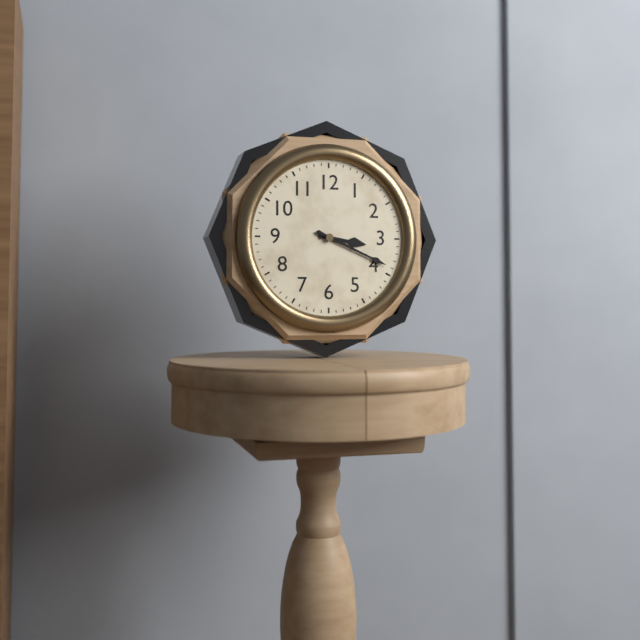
3:19
